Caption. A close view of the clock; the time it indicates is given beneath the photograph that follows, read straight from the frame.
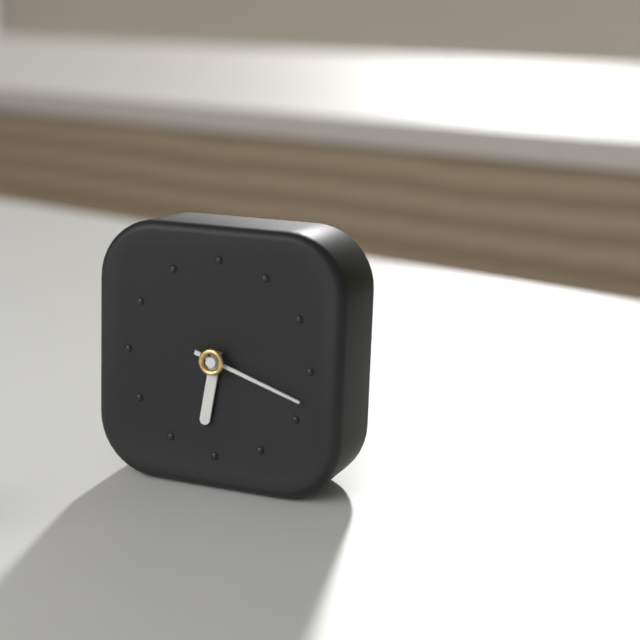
6:18
